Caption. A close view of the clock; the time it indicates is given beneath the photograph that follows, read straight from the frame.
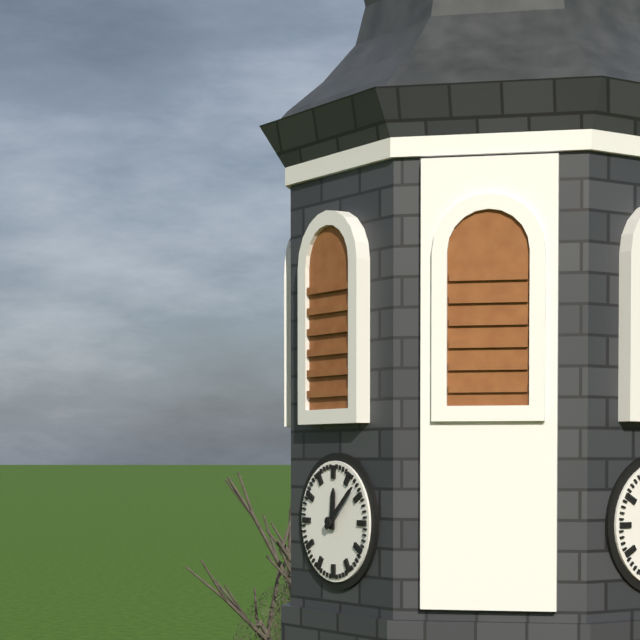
12:08
